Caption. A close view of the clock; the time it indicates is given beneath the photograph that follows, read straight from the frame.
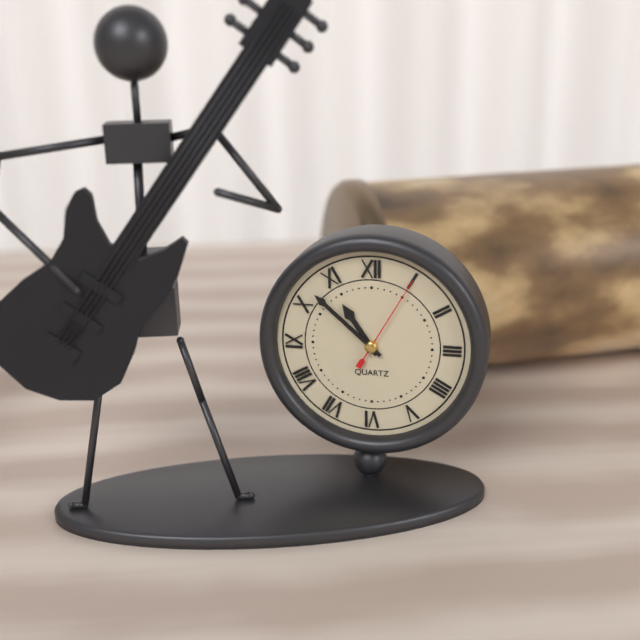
10:52:05
